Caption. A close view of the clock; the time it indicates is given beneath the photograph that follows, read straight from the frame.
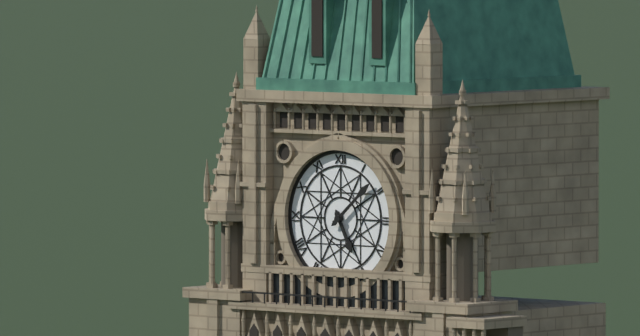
5:08
